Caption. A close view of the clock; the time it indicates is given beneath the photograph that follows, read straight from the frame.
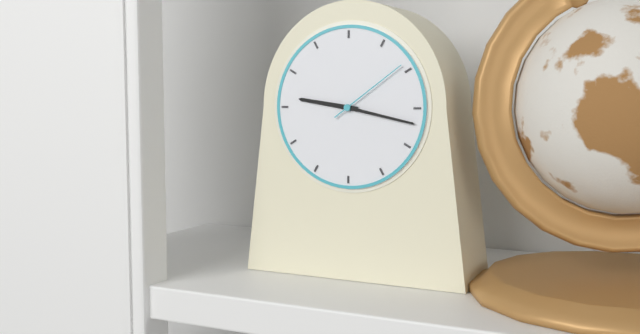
9:17:09
